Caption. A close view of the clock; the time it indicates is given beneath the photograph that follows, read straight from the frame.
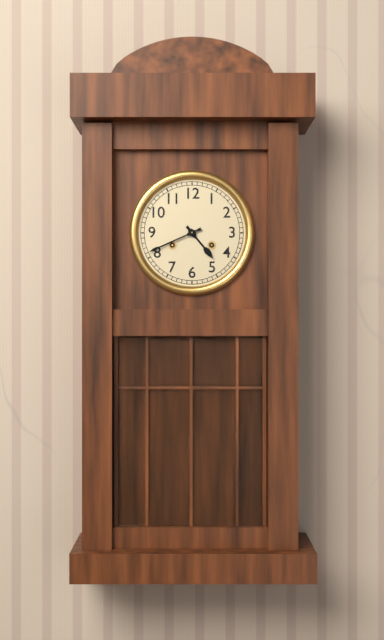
4:41
